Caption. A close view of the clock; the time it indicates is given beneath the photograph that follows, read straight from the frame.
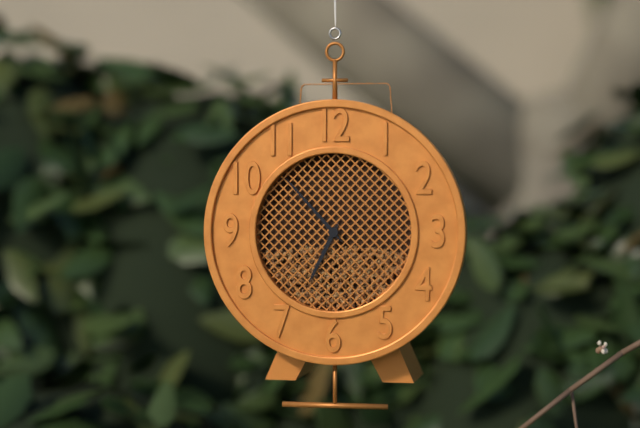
6:53
